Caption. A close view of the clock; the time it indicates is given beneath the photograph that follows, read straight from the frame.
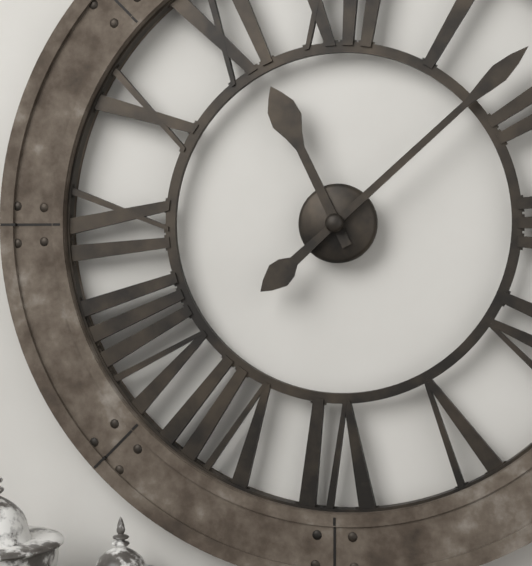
11:08
